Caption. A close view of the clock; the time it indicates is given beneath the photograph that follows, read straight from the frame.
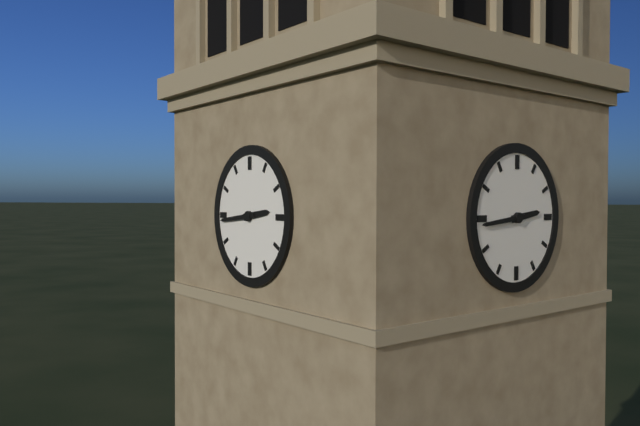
2:44
